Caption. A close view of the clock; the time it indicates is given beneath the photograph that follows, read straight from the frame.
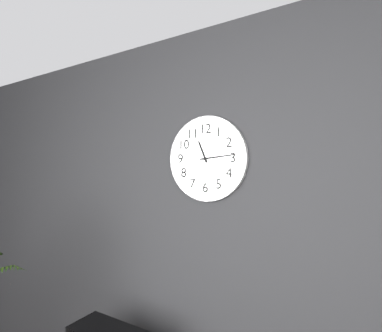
11:14
